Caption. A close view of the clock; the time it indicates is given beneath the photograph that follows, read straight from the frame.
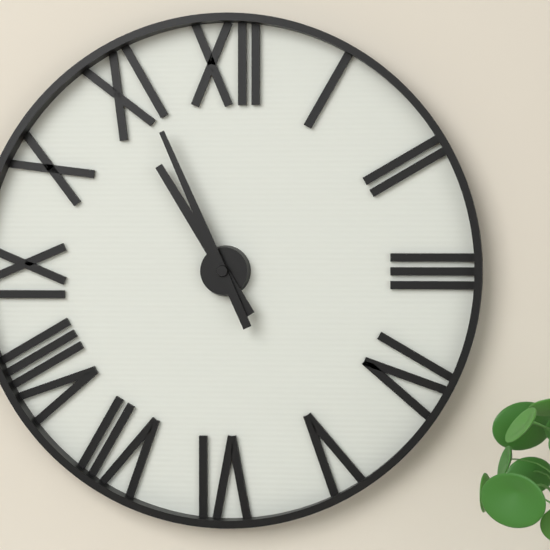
10:56
